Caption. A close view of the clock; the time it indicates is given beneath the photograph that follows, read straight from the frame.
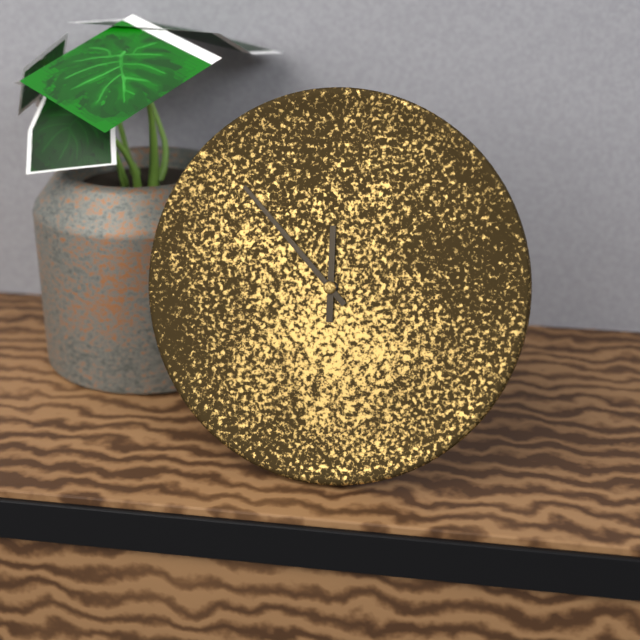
11:52
